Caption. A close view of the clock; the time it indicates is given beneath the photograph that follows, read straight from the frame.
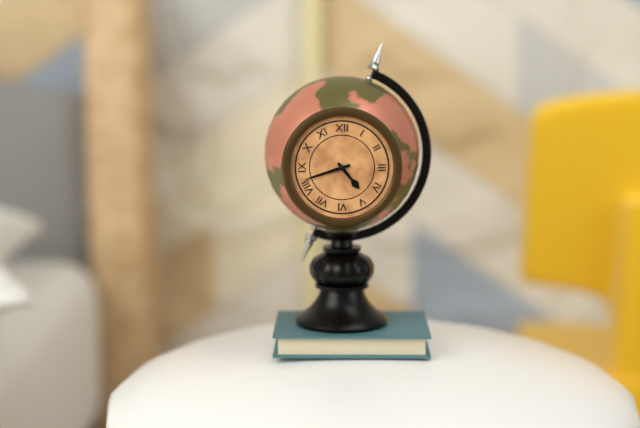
4:42
